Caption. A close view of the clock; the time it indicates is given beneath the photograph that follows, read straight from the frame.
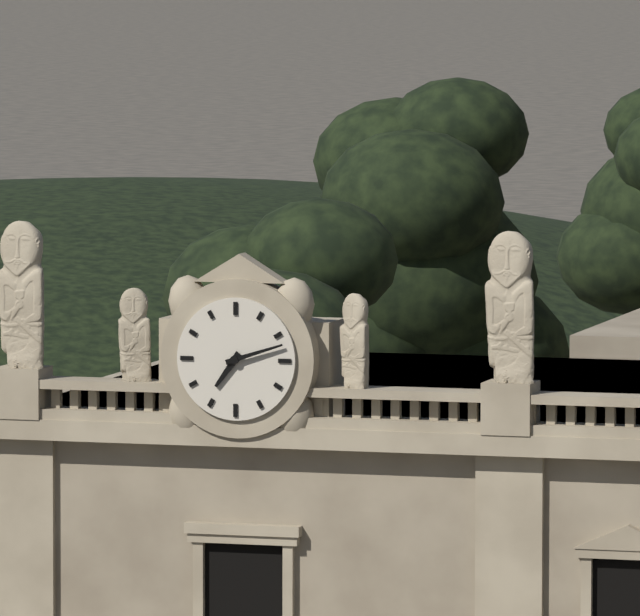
7:12
